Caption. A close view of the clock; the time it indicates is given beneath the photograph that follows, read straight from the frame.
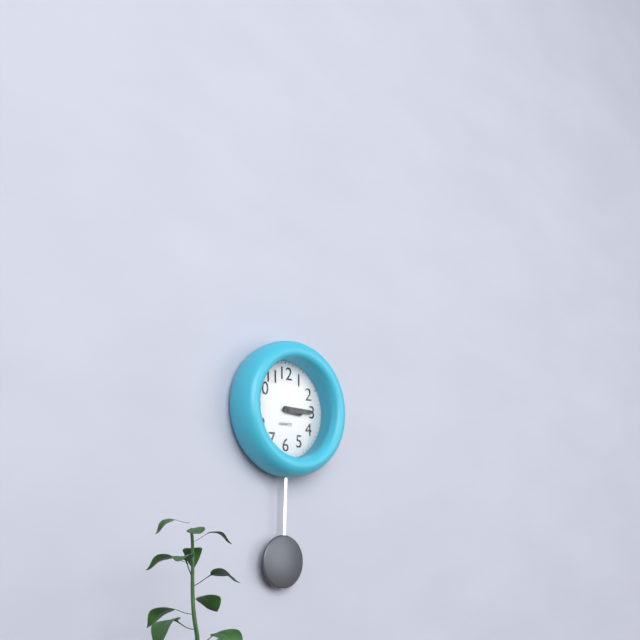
3:15
